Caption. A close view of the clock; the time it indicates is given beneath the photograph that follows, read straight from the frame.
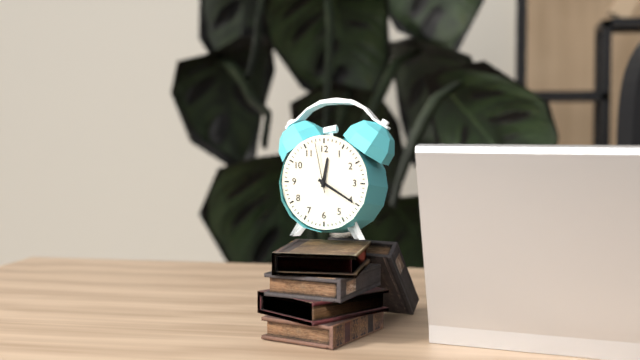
12:20:58
